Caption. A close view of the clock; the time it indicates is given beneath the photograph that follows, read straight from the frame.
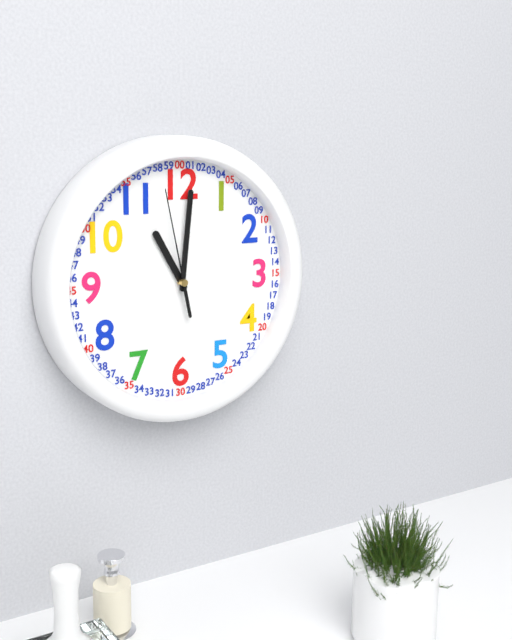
11:01:58
